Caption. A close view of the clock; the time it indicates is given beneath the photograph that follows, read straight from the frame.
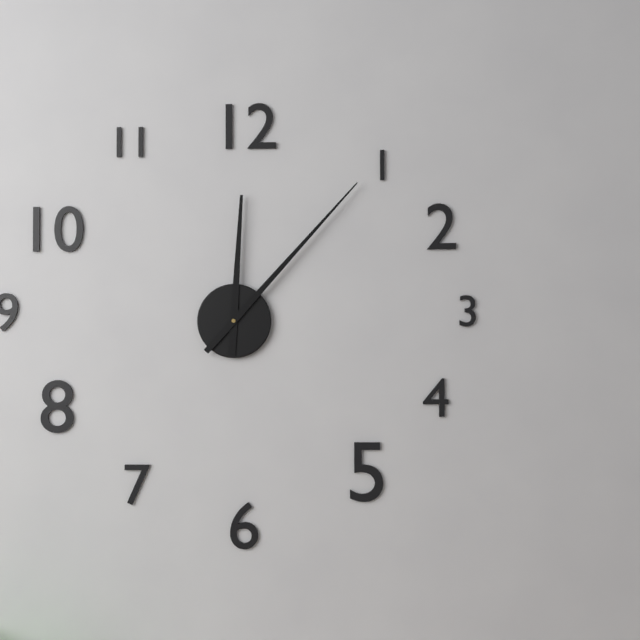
12:07
